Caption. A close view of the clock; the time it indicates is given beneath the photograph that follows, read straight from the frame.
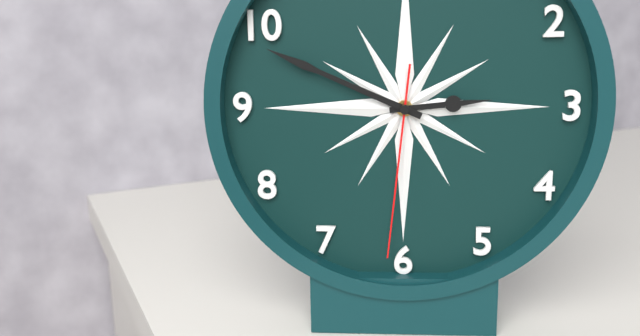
2:49:31
